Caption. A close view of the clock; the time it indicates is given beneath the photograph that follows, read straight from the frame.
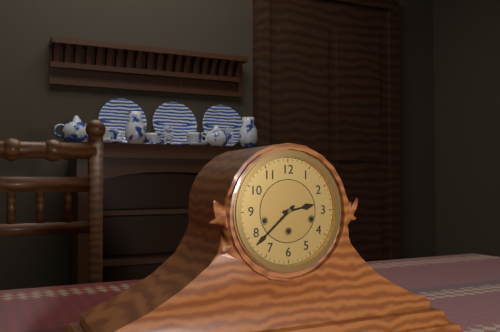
2:38
